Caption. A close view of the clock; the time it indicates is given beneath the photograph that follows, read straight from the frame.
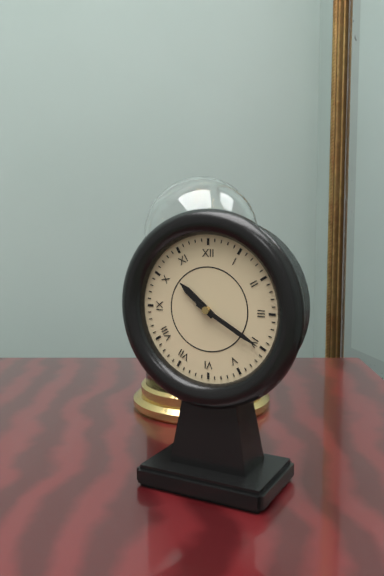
10:20
